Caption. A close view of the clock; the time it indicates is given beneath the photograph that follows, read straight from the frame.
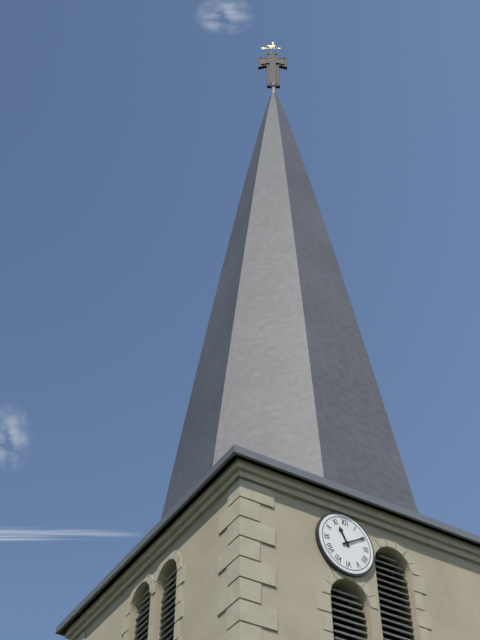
11:10
